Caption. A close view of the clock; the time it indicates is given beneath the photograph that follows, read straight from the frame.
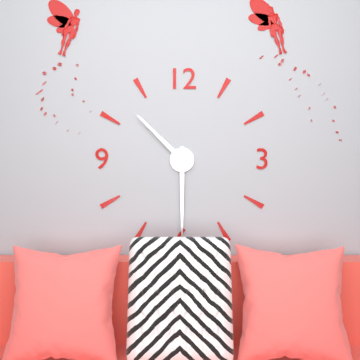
10:30
